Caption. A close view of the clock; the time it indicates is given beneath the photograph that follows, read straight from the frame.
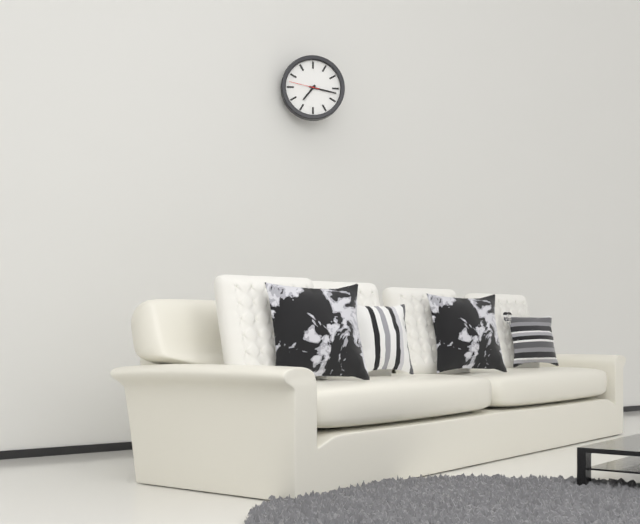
7:17
